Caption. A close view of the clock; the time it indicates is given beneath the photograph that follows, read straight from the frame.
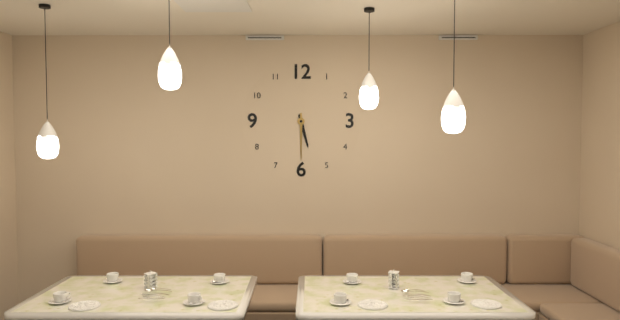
5:30
